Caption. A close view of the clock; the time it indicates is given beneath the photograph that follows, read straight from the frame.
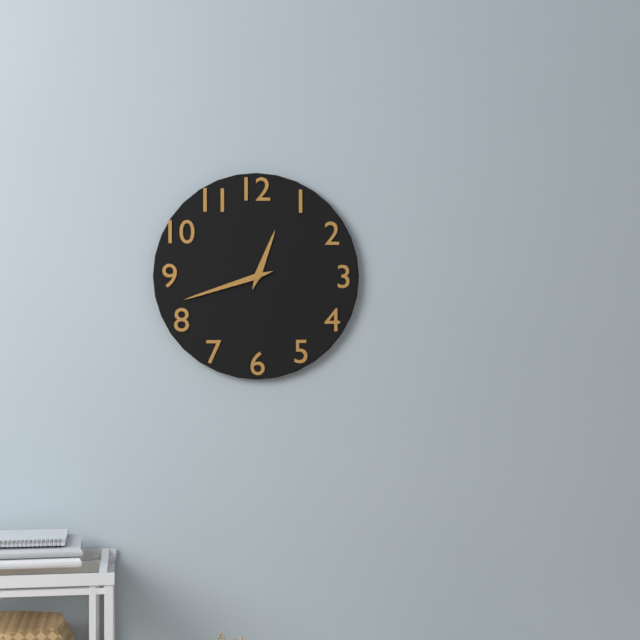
12:42
